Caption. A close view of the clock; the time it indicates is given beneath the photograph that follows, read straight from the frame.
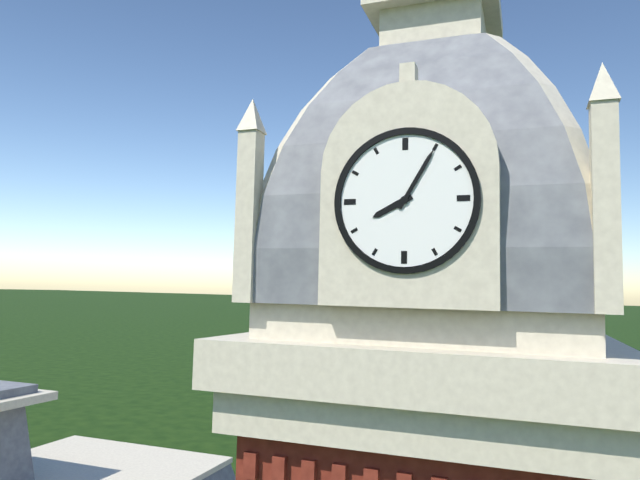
8:05
